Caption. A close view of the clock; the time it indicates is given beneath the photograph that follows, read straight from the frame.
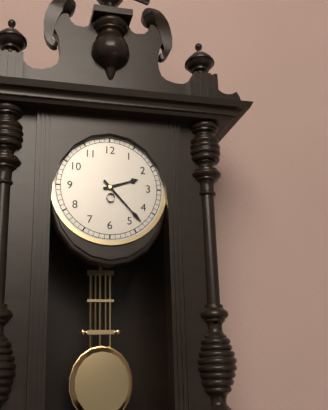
2:23
